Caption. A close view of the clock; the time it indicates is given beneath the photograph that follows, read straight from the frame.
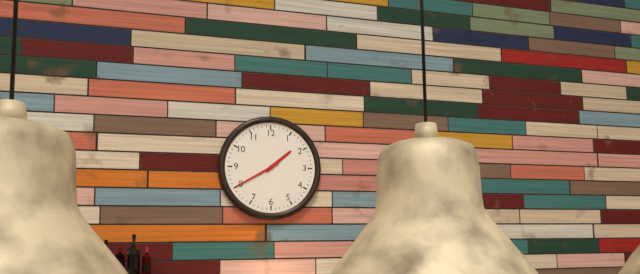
1:40
